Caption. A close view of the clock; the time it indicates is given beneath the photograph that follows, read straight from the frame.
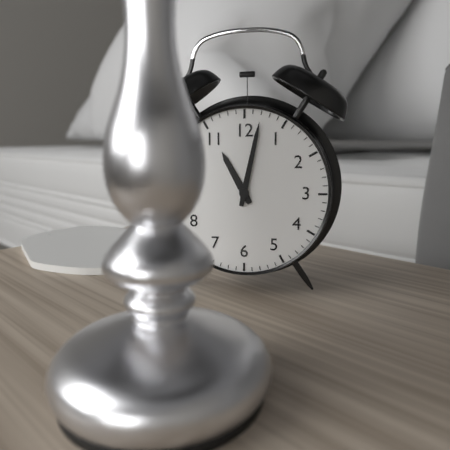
11:02
